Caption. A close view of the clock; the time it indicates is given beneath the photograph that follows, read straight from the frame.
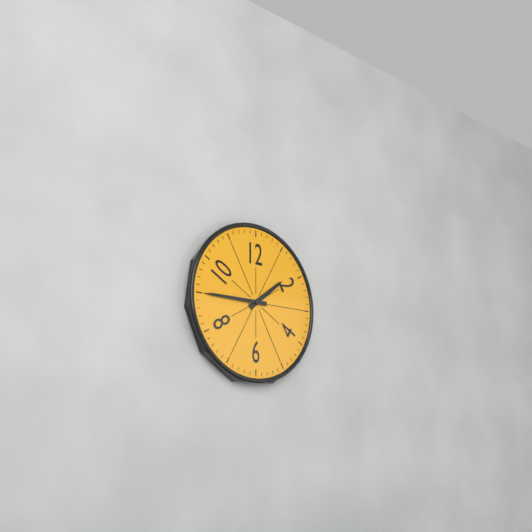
1:45
